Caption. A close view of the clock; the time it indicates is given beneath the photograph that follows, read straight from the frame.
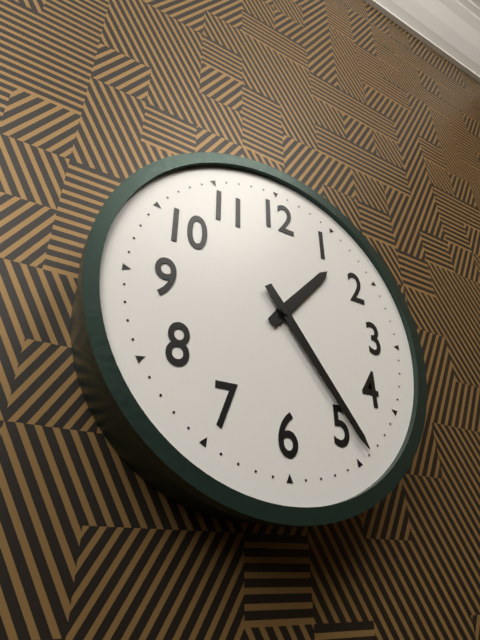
1:24
